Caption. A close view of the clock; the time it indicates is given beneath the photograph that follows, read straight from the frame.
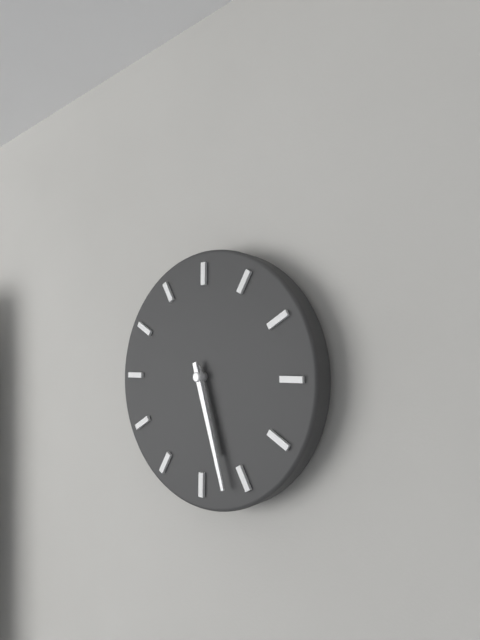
5:27
